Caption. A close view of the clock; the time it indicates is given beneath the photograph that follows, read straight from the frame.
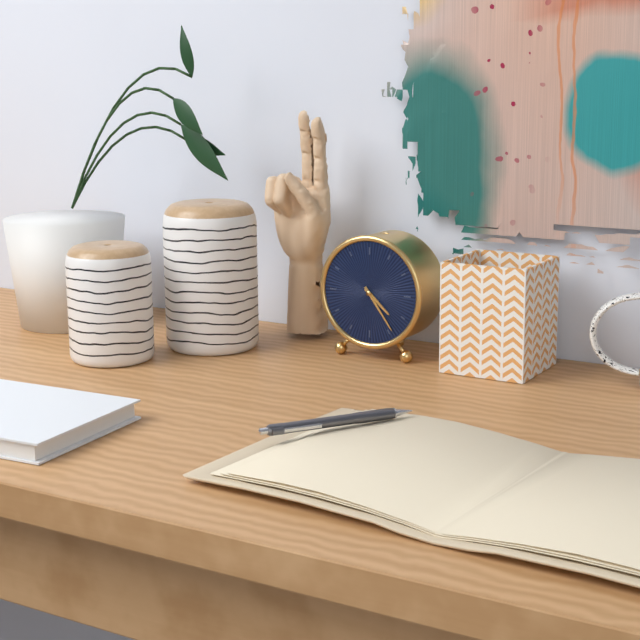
4:24
